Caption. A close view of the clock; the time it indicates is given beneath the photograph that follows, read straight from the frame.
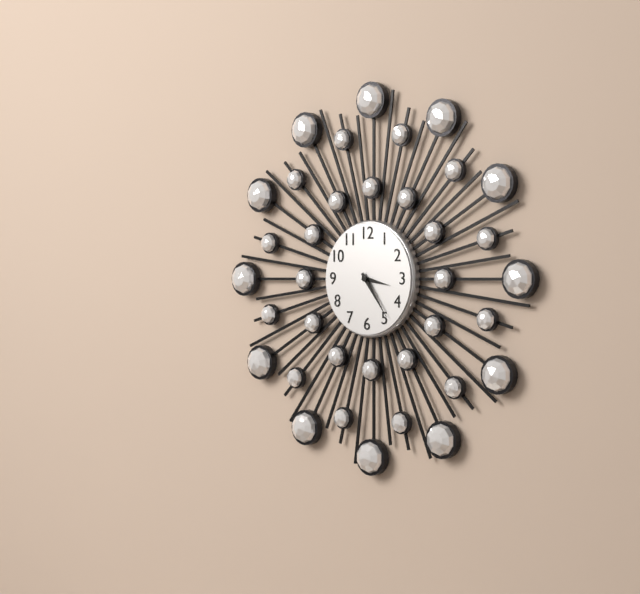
3:24
